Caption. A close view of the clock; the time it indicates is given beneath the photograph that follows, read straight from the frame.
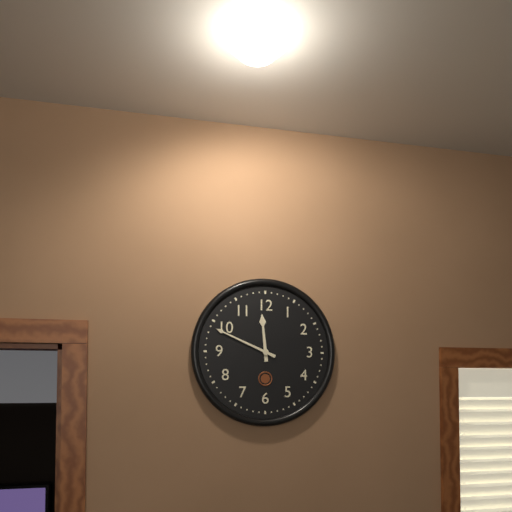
11:49
